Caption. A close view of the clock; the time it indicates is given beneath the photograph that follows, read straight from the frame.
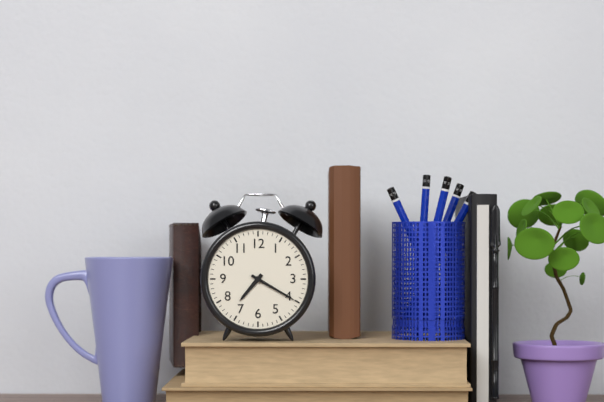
7:20
